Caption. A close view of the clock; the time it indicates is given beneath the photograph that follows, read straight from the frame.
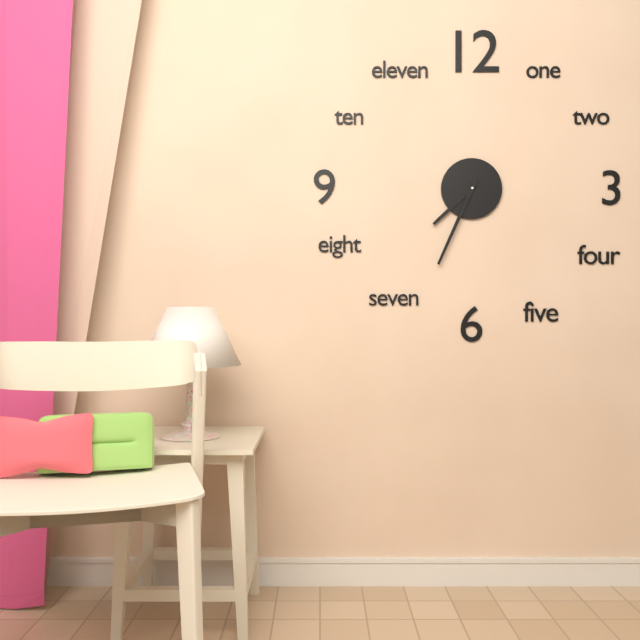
7:34
